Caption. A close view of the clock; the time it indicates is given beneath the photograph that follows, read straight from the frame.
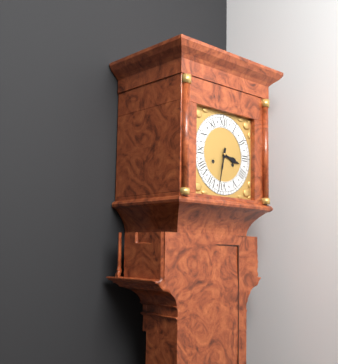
3:32
